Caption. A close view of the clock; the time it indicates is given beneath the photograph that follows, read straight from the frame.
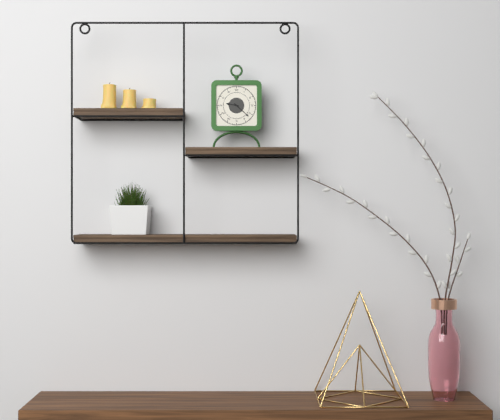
9:22
